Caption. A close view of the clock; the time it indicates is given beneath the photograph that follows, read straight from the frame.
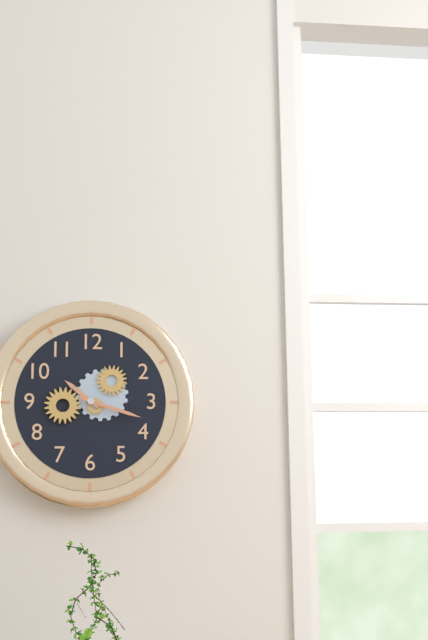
10:18
